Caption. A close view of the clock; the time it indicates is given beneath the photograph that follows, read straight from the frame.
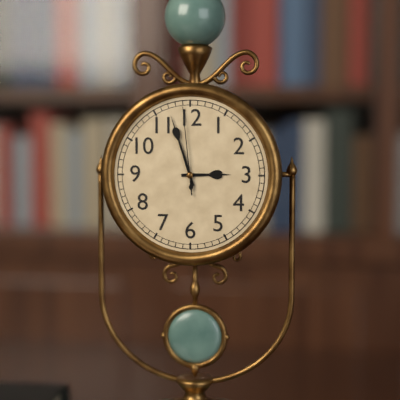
2:57:59
